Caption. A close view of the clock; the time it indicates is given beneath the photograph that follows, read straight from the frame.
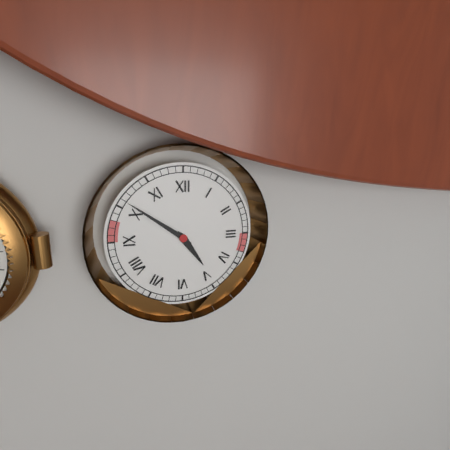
4:51
